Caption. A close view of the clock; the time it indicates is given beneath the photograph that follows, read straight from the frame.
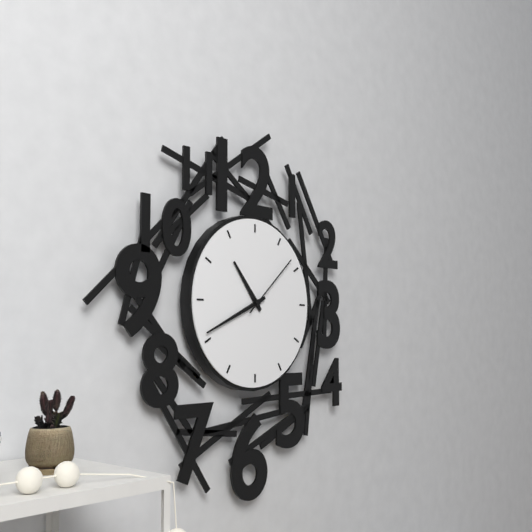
10:41:08
